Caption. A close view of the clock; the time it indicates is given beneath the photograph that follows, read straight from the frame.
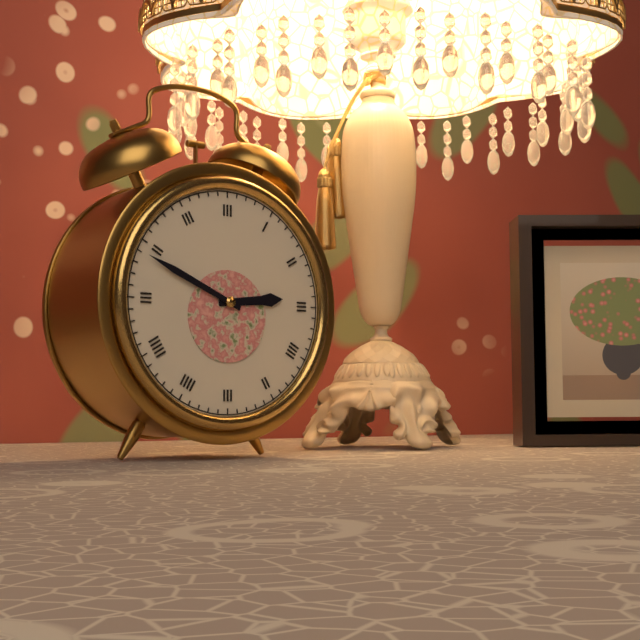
2:49
